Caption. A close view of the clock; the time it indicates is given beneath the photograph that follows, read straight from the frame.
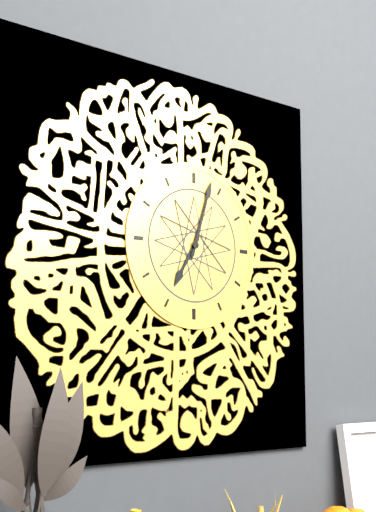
7:03
